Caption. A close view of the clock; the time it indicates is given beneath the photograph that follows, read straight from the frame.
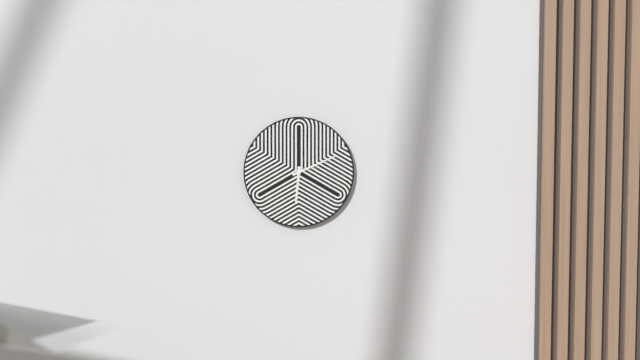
6:11
